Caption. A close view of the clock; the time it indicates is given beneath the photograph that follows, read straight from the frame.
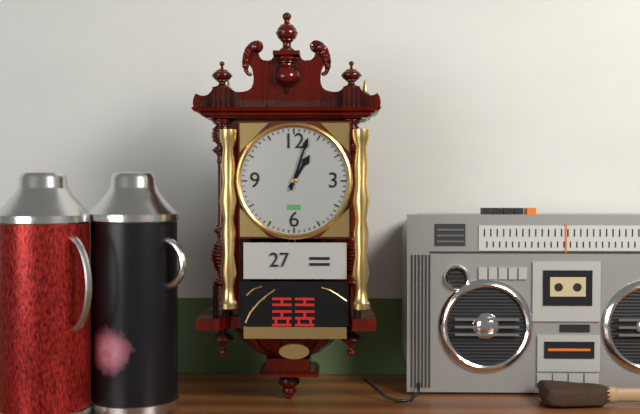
1:03
